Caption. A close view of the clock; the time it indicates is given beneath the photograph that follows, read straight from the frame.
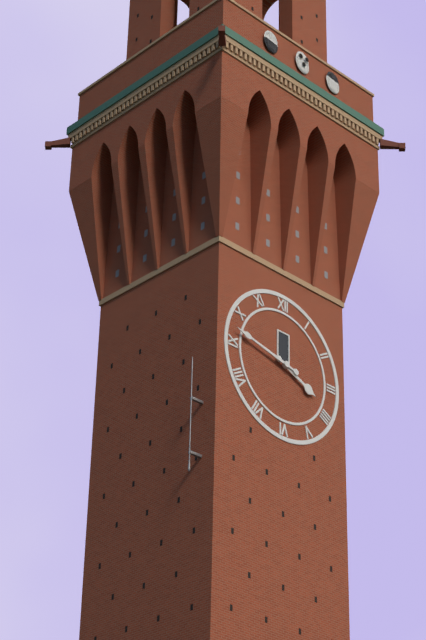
3:47
